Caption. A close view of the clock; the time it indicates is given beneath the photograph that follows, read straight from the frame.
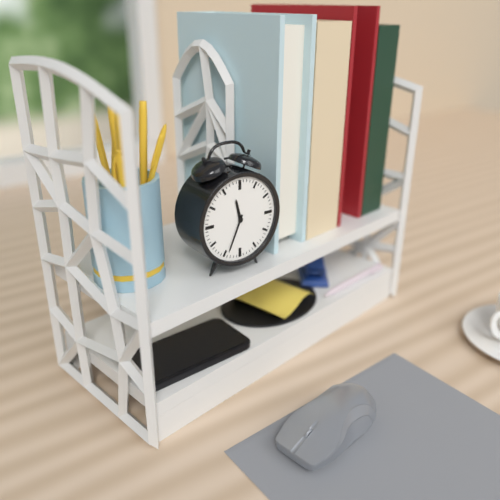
11:34
